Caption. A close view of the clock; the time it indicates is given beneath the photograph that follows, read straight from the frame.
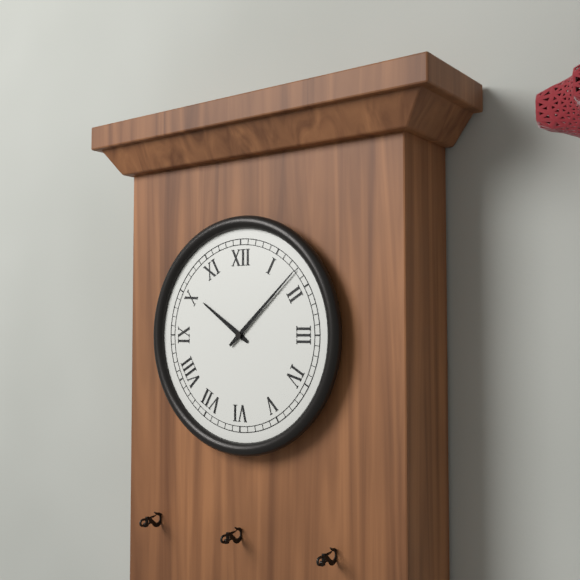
10:08
